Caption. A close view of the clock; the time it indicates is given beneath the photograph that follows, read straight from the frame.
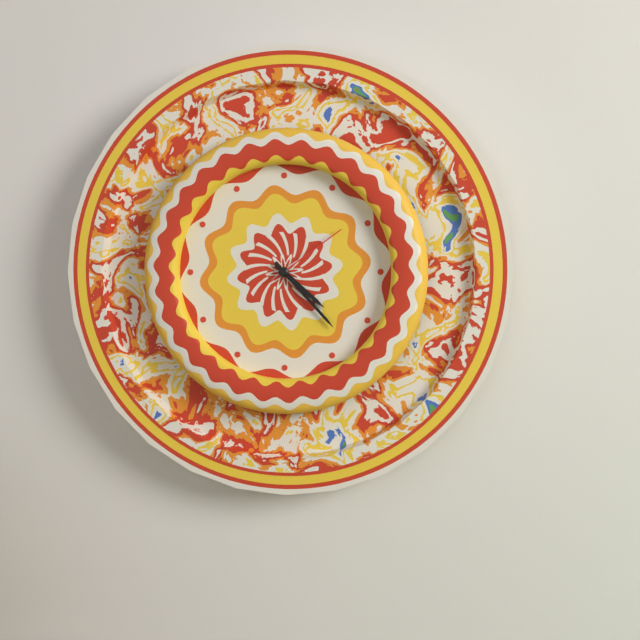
4:23:09
